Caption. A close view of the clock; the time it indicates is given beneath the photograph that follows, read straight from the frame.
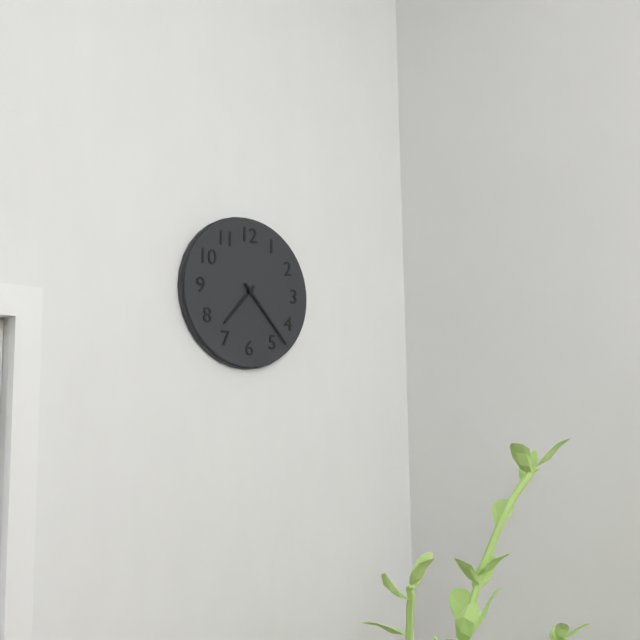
7:23
